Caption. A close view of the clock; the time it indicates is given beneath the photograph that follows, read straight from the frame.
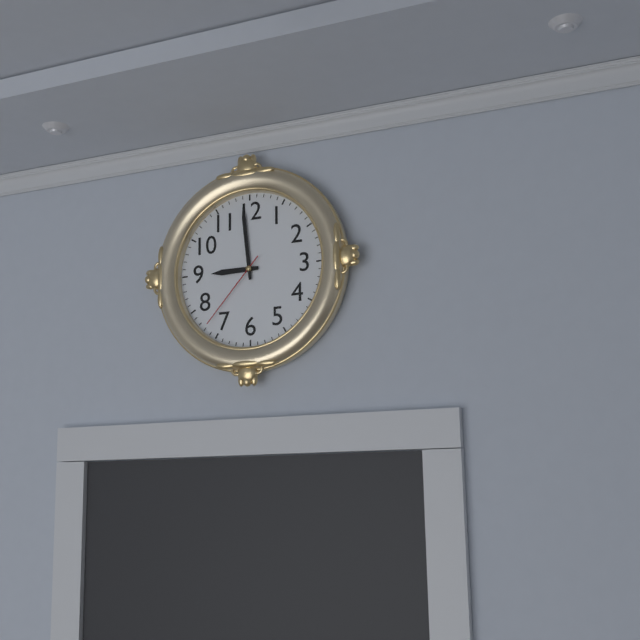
8:59:37
